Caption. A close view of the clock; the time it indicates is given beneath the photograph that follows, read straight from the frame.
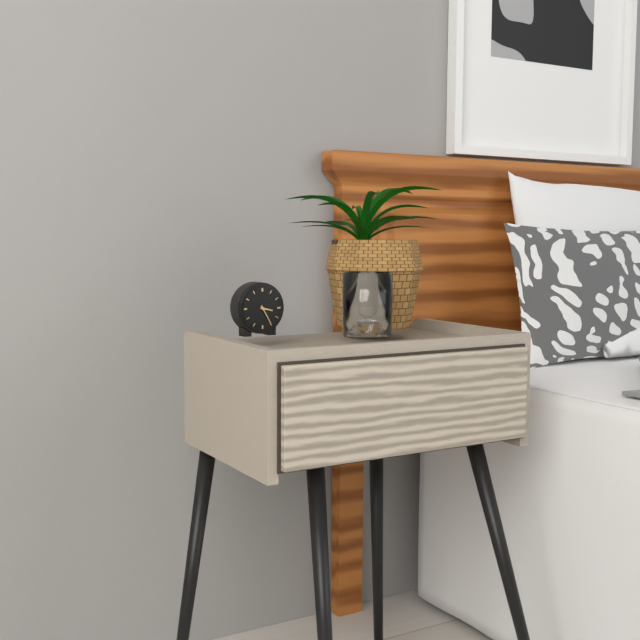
3:25
